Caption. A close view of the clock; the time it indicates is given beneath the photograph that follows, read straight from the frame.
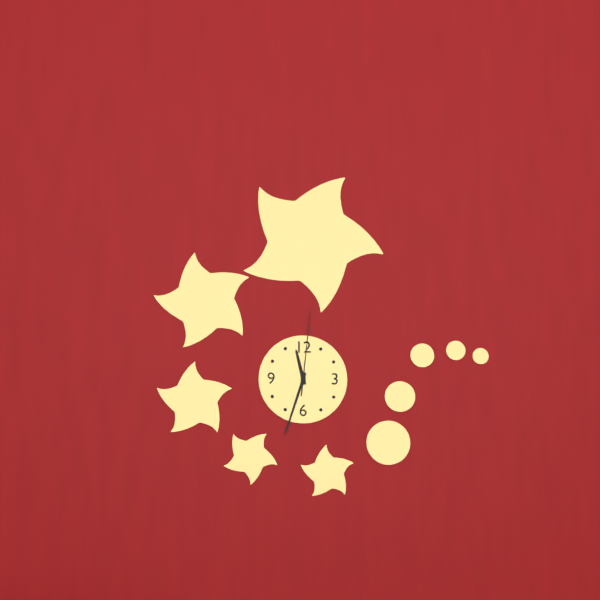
11:33:01
